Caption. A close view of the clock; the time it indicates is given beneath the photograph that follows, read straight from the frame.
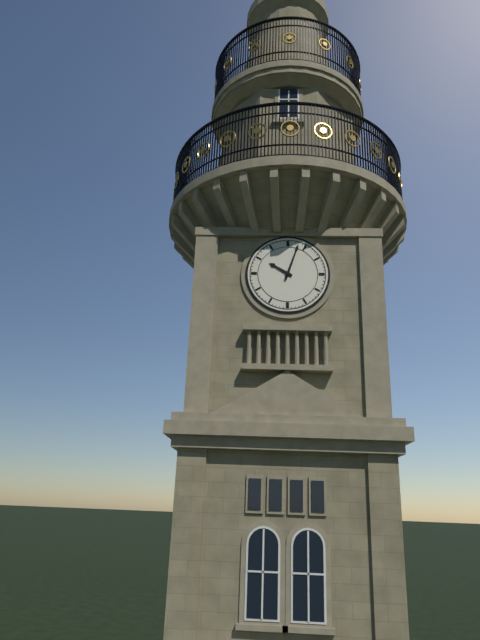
10:03
